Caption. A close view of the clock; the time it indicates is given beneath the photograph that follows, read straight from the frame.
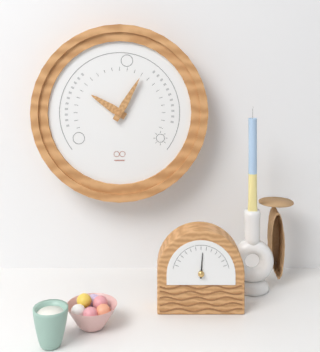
10:05
